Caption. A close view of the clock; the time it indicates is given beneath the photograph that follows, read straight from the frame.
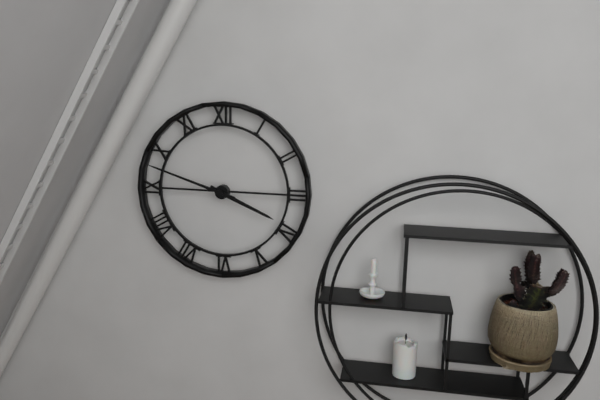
3:48
